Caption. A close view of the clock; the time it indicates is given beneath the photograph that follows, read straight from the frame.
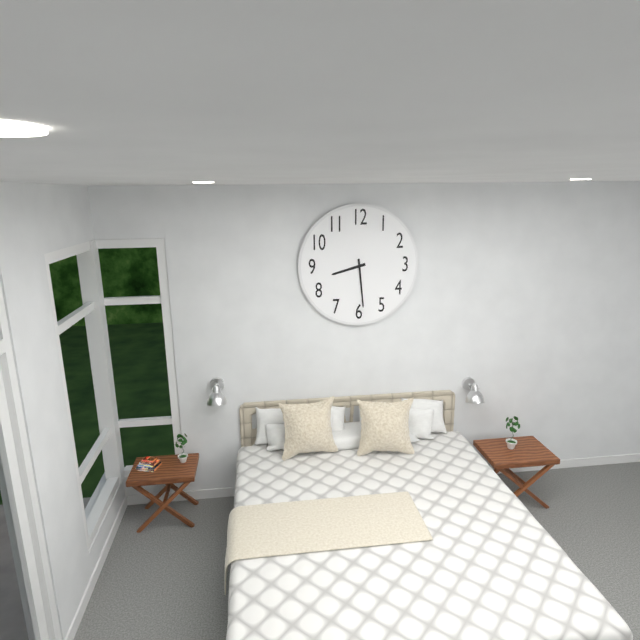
8:29
